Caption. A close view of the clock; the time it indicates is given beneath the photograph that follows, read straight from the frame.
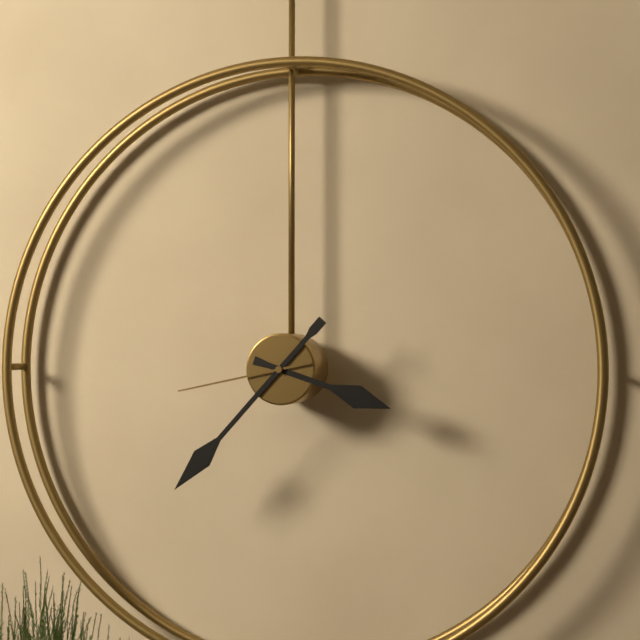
3:37:43
